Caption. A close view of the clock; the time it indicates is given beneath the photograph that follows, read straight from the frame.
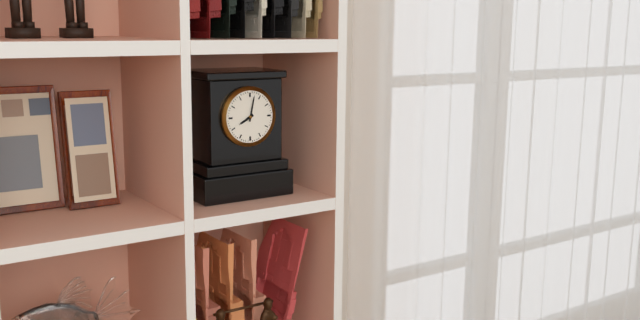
8:02
